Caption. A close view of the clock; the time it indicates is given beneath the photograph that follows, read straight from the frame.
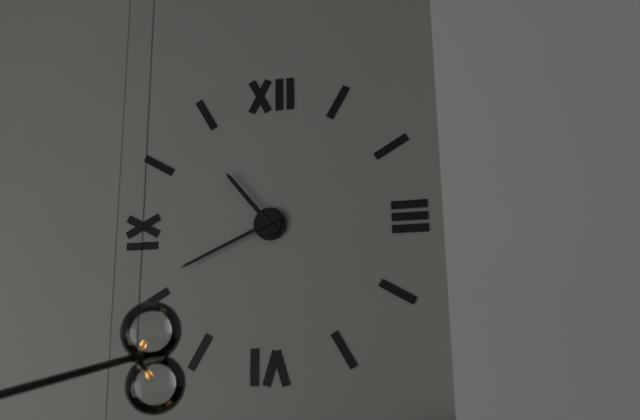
10:41
